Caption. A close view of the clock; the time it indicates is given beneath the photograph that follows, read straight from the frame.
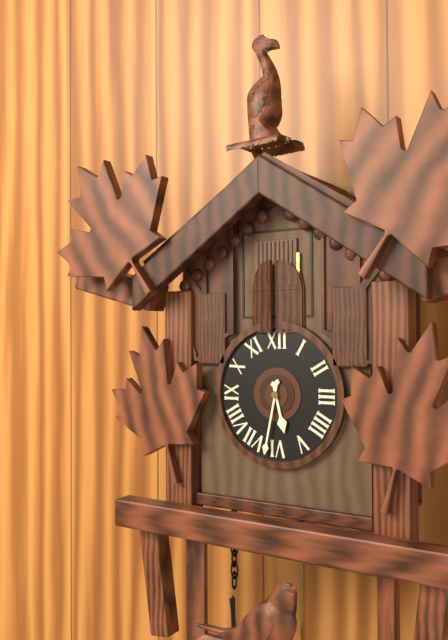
5:32
